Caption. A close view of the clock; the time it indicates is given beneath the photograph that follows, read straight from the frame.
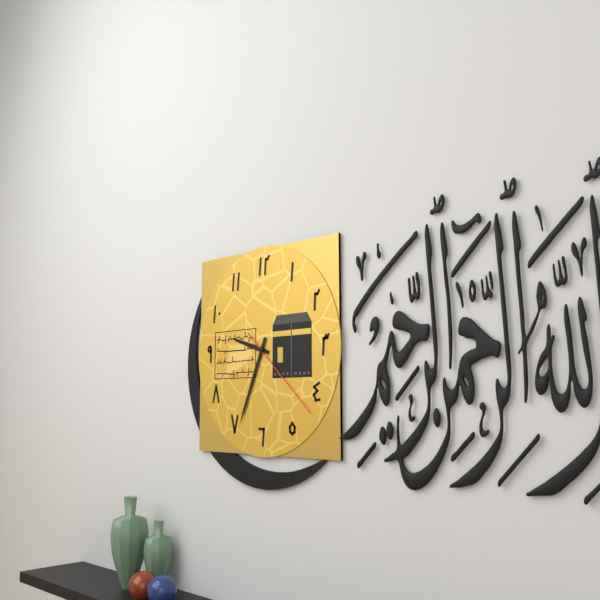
9:34:22
